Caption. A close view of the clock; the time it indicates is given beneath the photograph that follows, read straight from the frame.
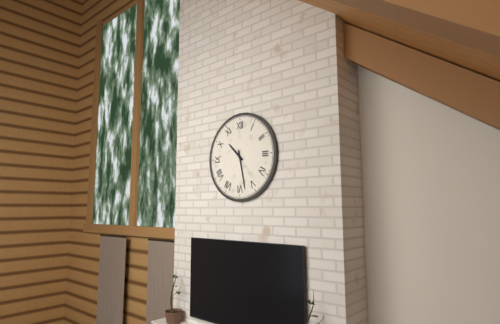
10:28
